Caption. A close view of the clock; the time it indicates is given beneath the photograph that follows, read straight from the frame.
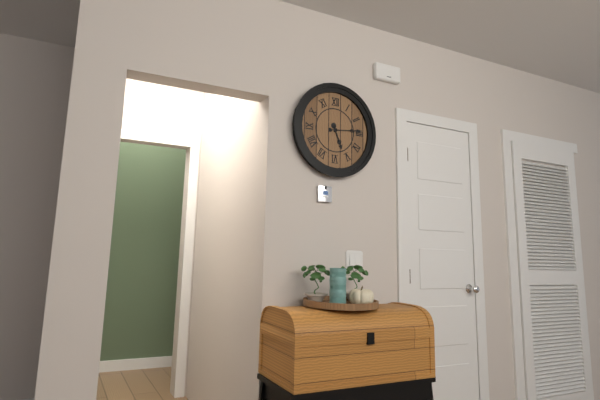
5:14
